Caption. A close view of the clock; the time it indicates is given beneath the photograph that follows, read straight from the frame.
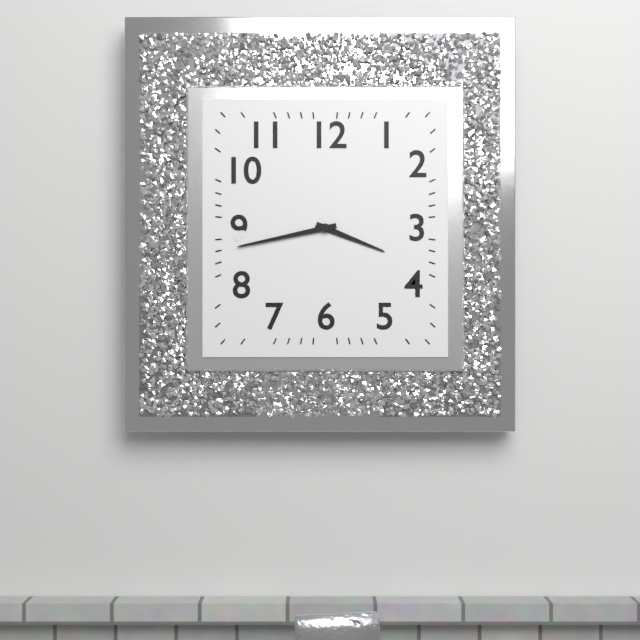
3:43
